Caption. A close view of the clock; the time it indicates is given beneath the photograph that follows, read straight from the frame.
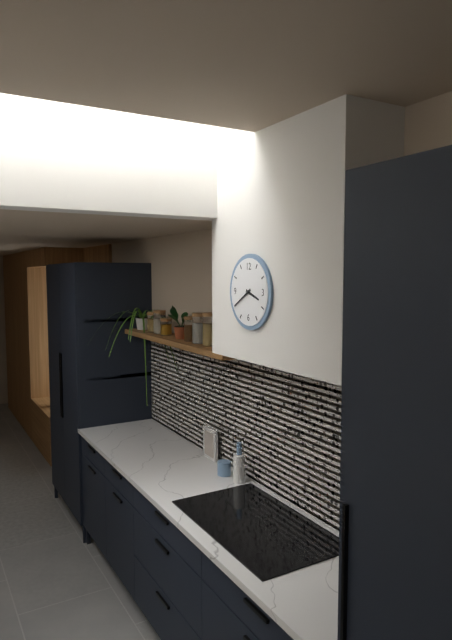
3:40
